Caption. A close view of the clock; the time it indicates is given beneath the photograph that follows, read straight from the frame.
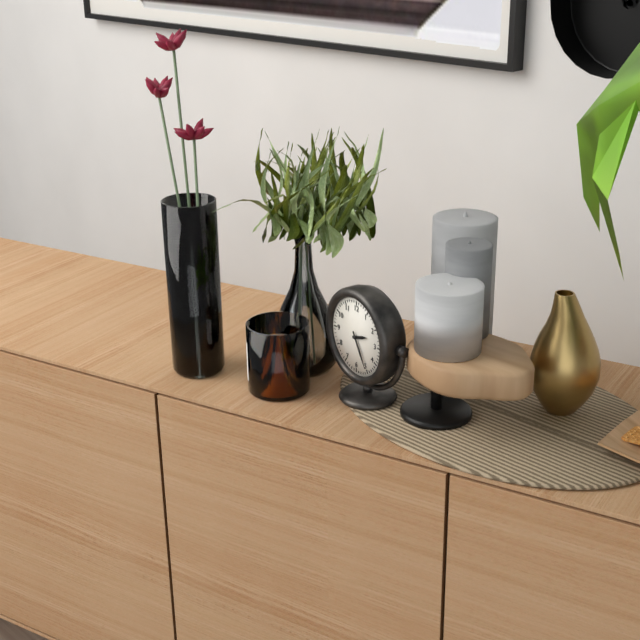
2:25
